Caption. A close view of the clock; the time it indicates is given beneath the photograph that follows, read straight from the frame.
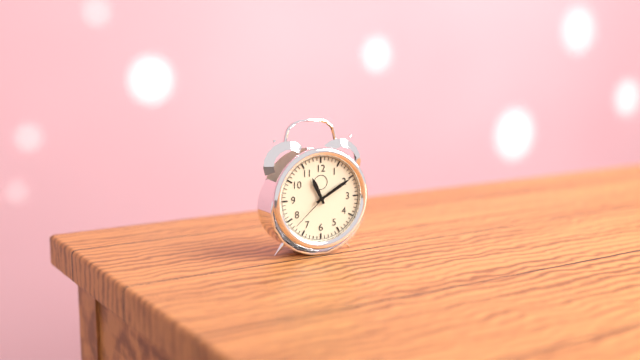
11:10
